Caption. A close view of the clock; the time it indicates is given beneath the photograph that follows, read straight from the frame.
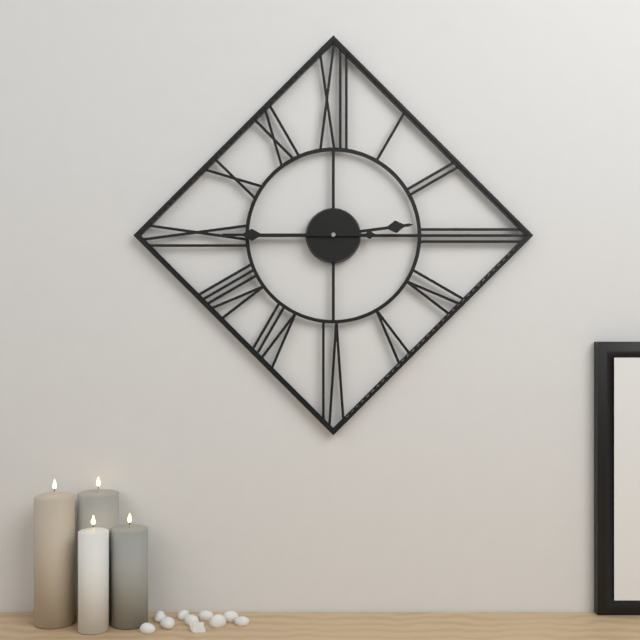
2:45
